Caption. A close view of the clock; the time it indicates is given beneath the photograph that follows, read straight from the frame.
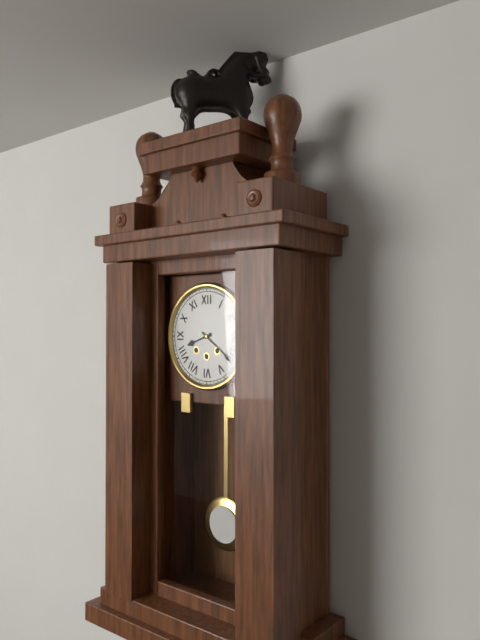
8:21
